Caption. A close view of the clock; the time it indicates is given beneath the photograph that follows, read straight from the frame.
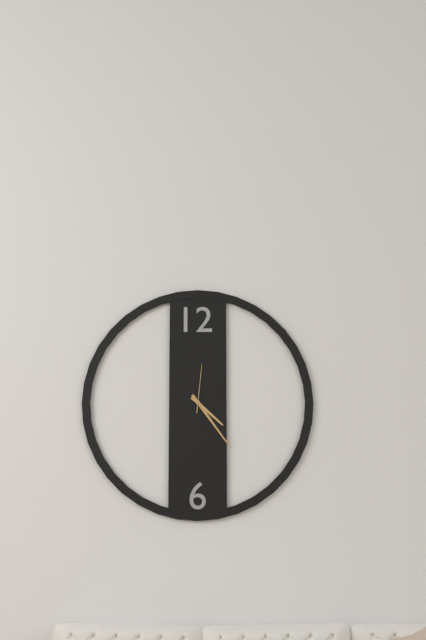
4:24
